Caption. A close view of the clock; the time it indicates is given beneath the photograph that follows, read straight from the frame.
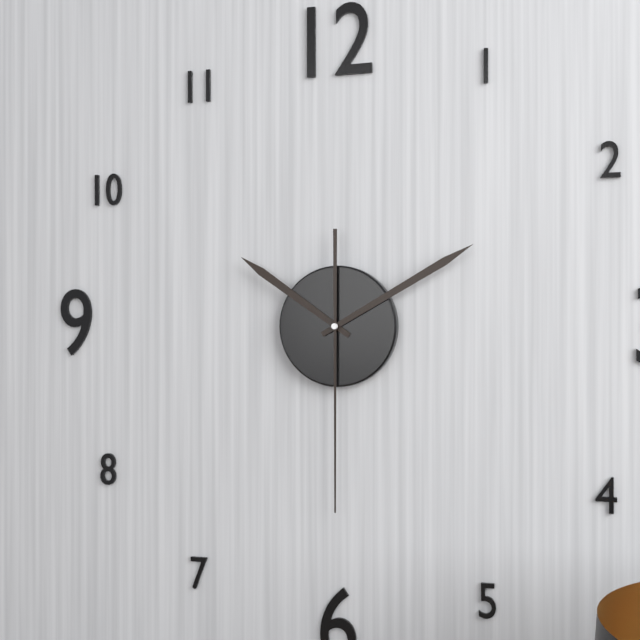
10:10:30
